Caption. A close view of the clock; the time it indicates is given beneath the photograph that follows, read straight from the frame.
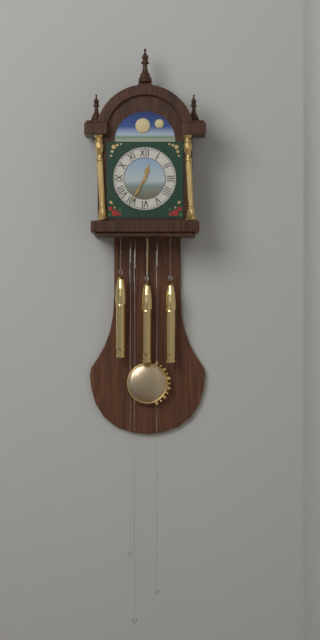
12:35
